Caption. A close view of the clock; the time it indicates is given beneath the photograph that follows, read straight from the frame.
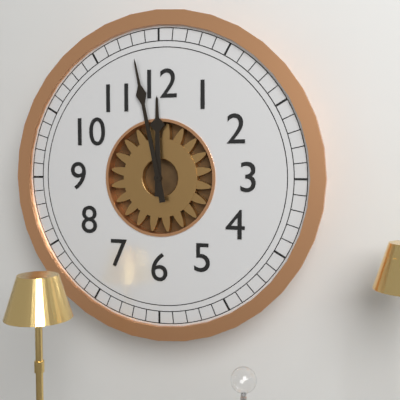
11:58
